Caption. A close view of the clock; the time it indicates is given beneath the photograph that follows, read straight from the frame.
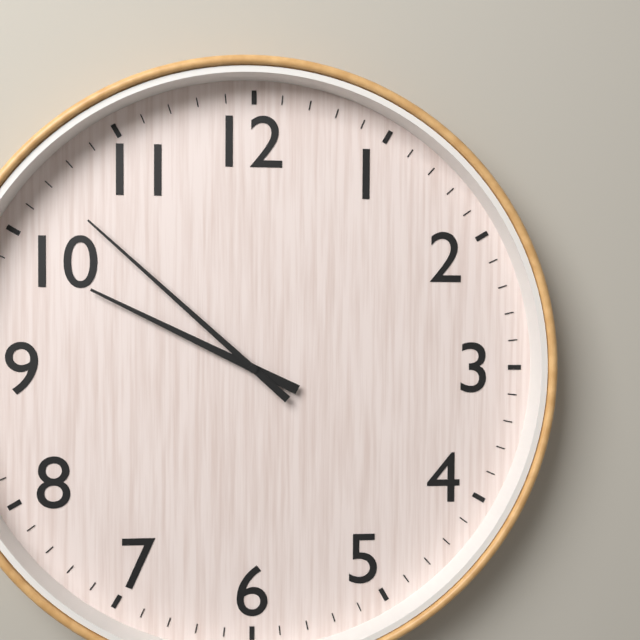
9:52
